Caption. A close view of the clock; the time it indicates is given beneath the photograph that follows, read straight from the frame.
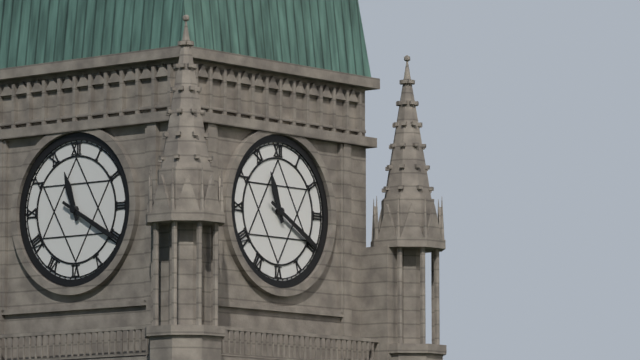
11:20
